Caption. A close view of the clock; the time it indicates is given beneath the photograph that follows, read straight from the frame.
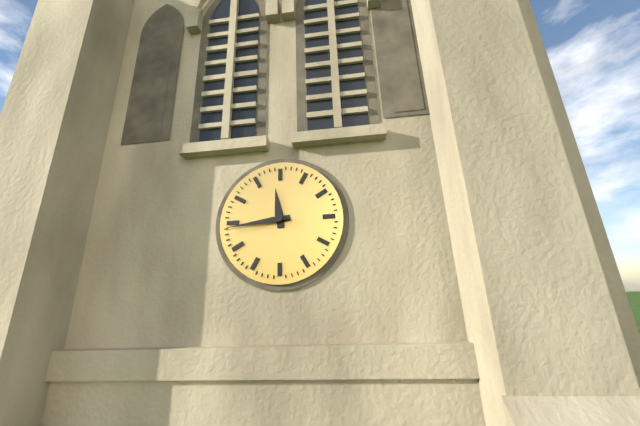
11:44
